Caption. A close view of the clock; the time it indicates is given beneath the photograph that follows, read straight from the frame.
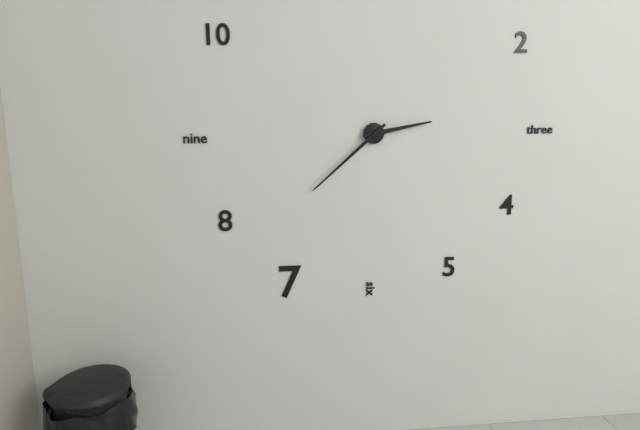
2:38
